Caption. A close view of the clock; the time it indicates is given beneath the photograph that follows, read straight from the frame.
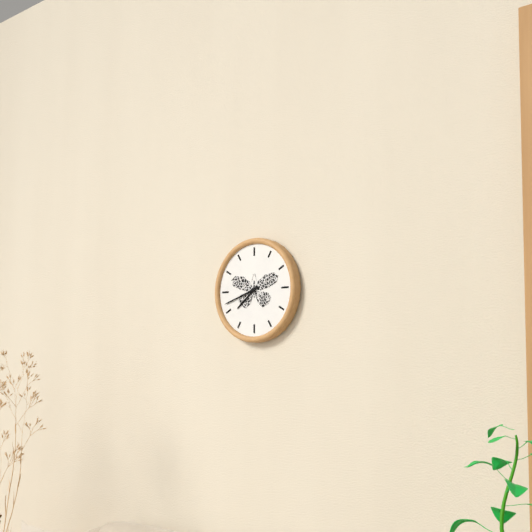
7:42
